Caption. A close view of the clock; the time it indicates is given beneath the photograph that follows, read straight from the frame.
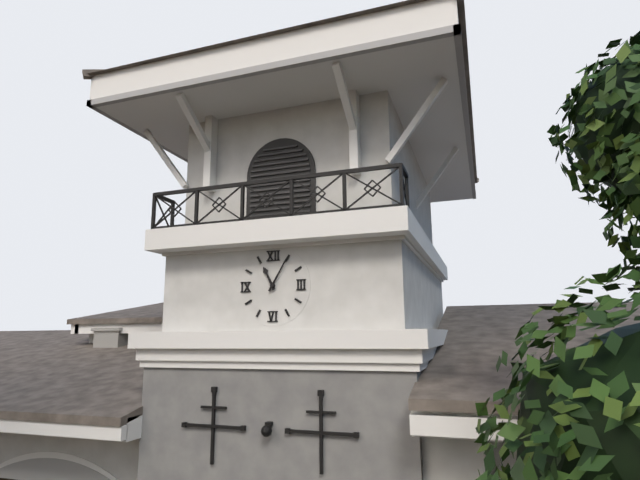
11:05
